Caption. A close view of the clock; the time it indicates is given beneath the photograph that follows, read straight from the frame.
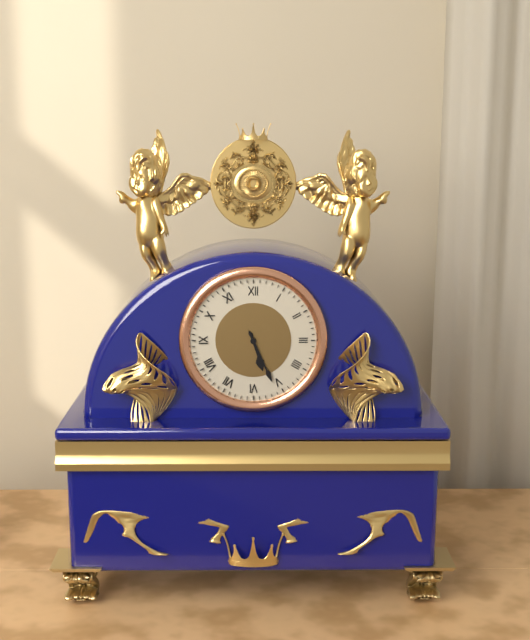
5:26
